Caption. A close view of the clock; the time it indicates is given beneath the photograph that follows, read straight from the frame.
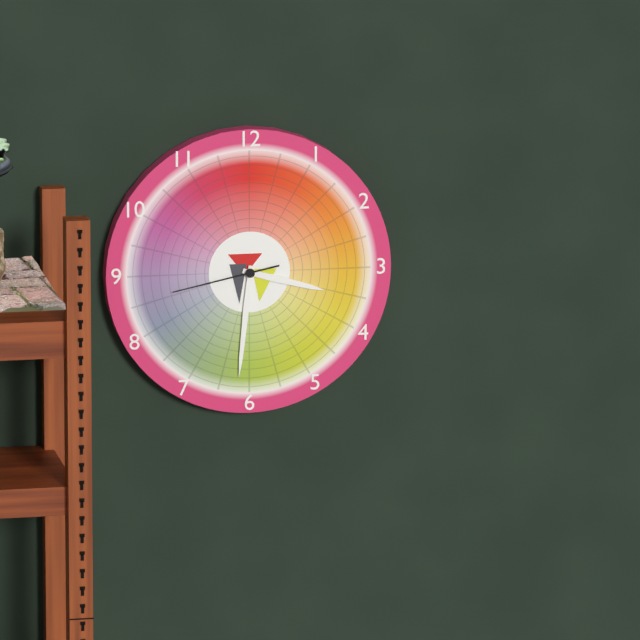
3:31:43
